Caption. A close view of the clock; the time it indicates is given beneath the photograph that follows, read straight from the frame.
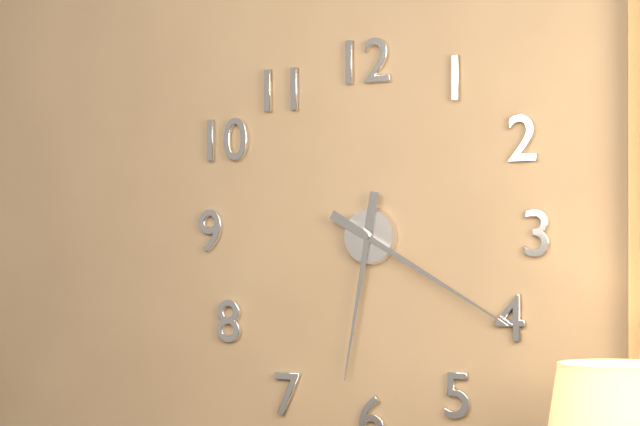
6:20
